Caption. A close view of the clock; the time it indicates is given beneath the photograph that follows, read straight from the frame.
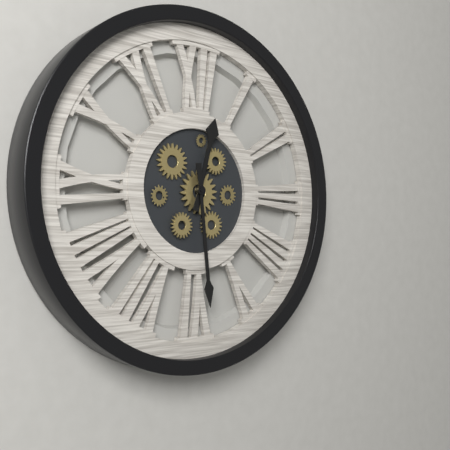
12:29
